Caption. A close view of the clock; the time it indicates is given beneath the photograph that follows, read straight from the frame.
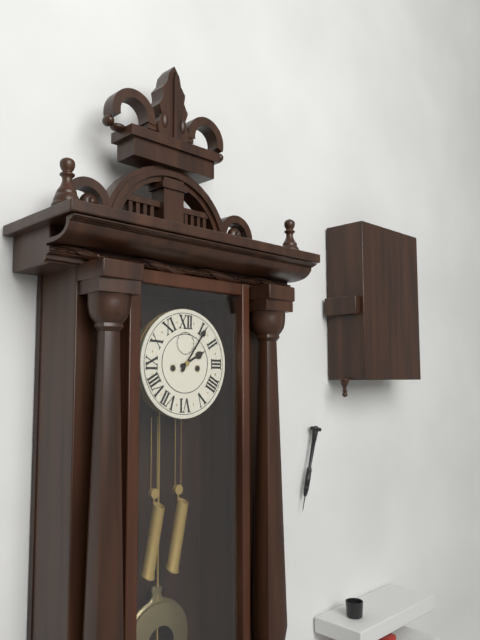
2:06
